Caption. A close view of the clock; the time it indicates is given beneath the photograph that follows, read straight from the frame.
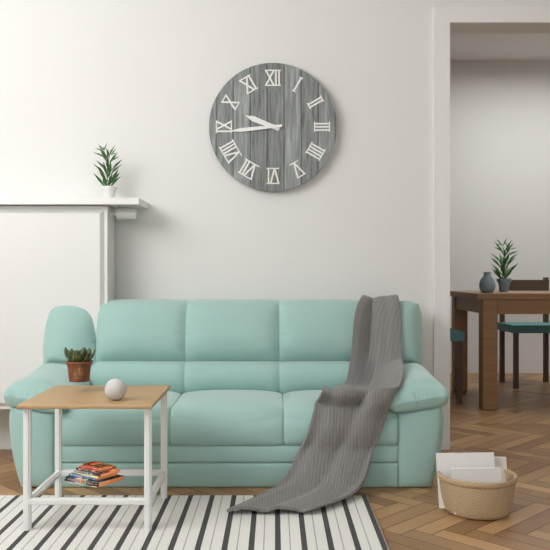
9:44
